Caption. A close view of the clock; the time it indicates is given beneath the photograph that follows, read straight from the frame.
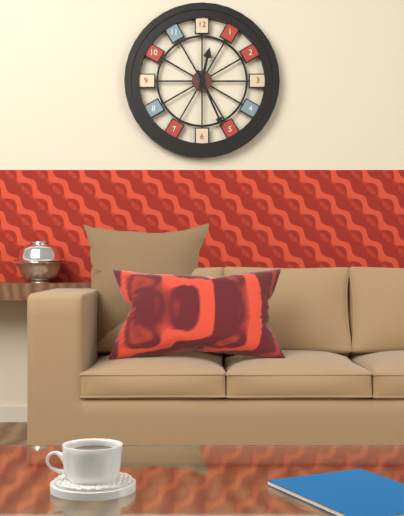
12:26
